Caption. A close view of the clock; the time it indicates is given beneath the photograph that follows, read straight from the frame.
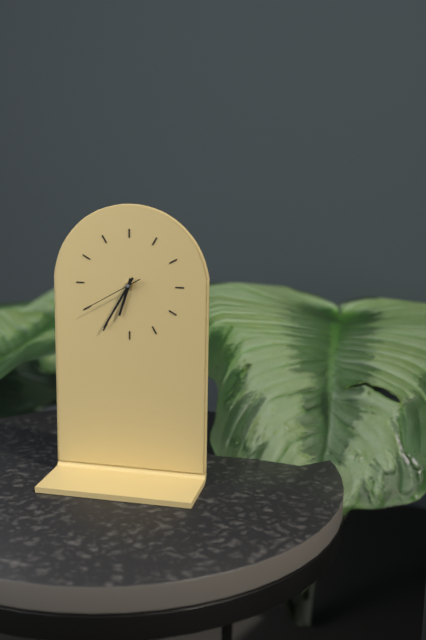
6:35:40
